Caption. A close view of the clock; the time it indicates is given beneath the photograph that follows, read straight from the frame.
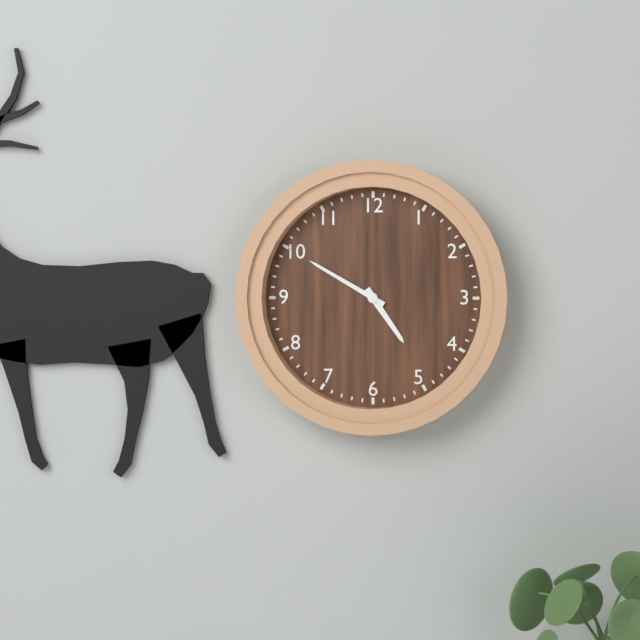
4:50
